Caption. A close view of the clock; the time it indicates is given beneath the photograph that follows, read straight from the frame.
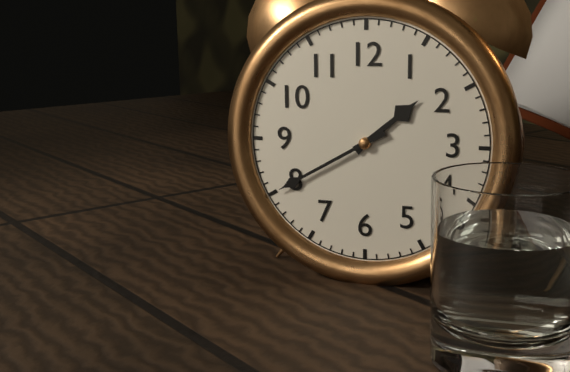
1:40
